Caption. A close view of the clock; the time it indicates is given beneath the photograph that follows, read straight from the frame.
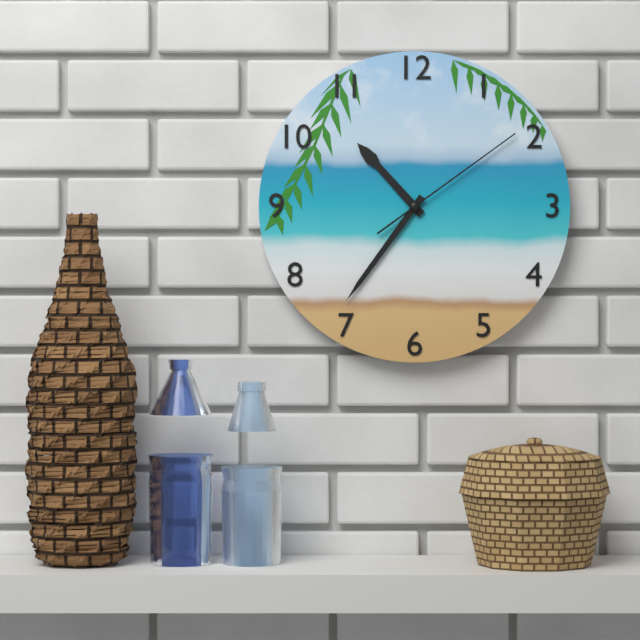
10:36:09
